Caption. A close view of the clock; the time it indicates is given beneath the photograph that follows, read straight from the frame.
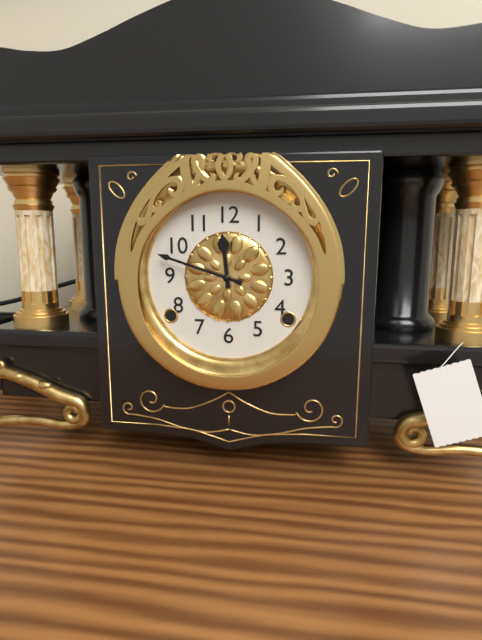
11:48
